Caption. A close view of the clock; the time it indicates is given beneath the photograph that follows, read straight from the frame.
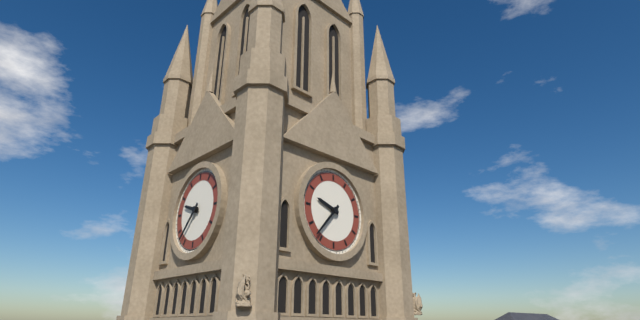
9:37
